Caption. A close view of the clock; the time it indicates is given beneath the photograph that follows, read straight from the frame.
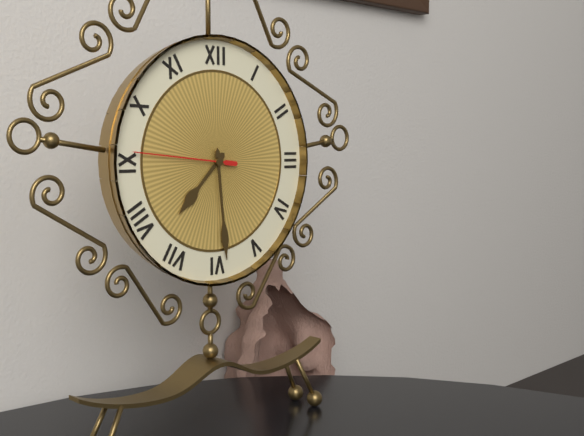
7:29:46
